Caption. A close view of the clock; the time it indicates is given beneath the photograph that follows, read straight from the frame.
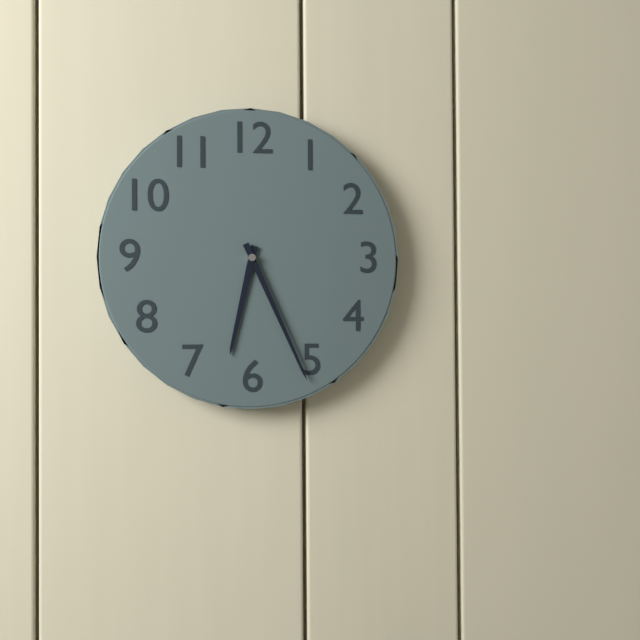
6:26
